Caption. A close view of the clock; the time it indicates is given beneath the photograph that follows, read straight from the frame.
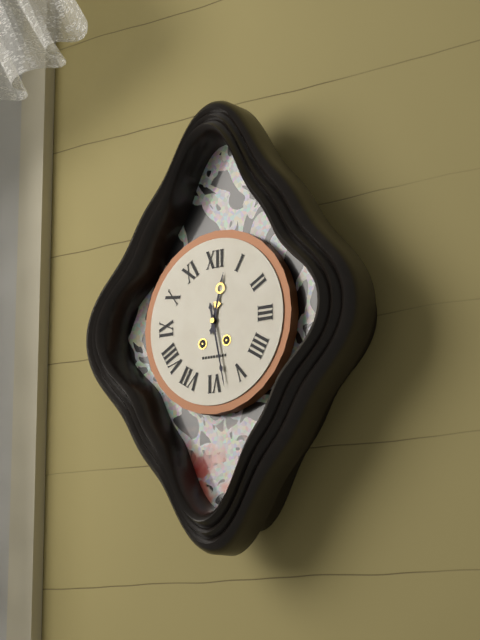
12:28
